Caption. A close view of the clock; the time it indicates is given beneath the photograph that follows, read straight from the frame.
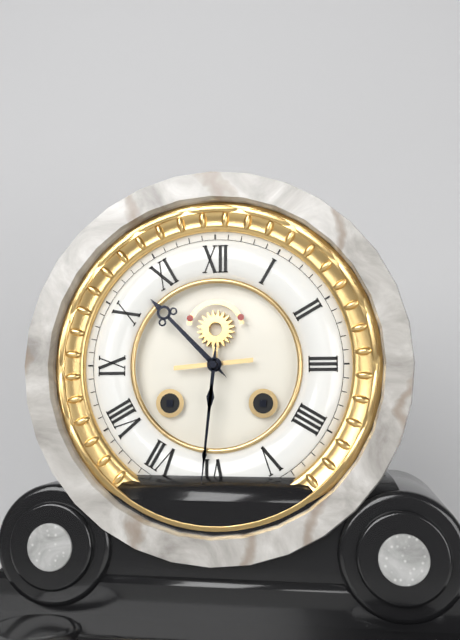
10:31
